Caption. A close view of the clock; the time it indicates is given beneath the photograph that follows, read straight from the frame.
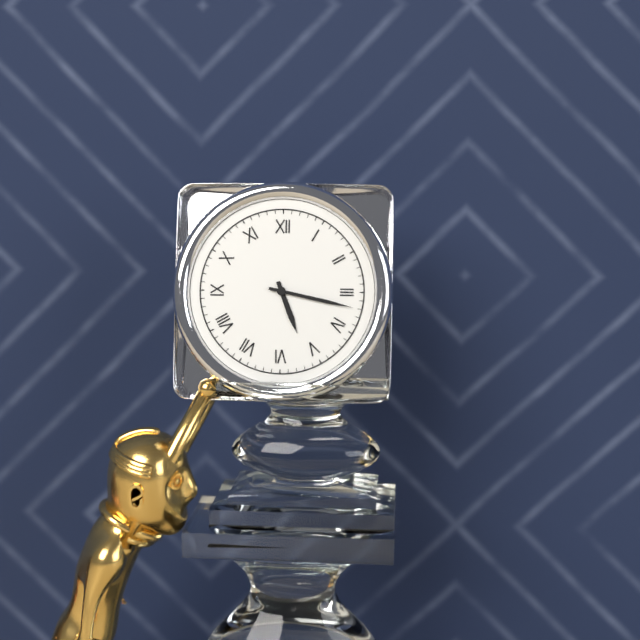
5:17
